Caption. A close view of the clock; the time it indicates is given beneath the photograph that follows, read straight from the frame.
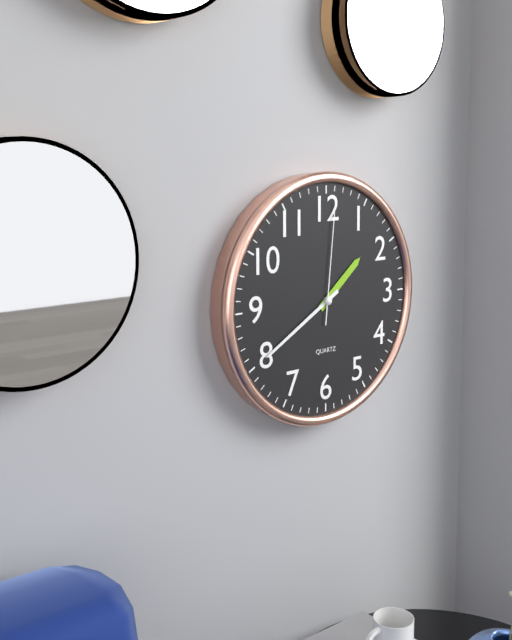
1:40:01
